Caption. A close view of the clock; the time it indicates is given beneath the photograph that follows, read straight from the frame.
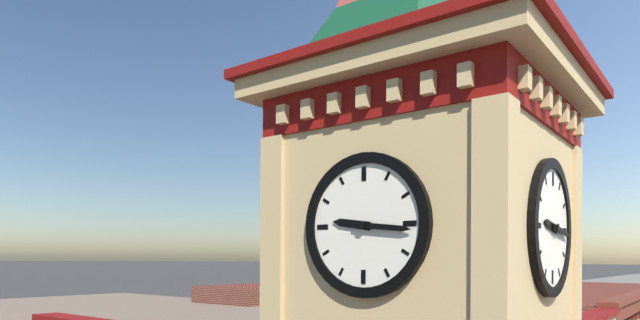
9:16
